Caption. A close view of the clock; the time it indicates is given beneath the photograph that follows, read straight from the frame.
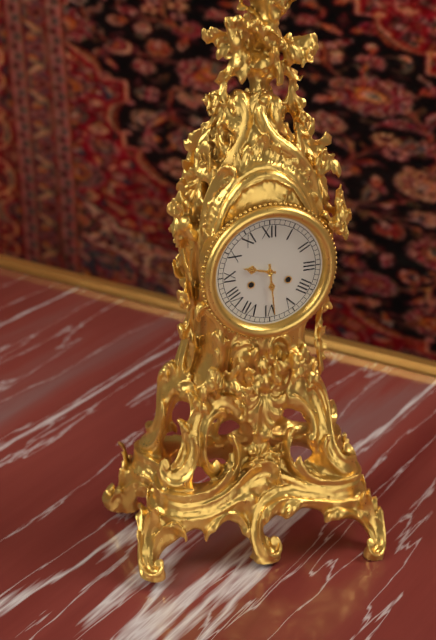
9:29
